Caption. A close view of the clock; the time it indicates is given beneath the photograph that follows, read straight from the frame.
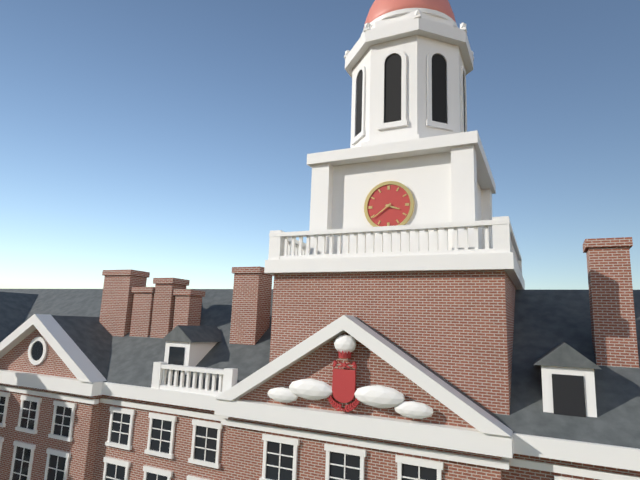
3:39
